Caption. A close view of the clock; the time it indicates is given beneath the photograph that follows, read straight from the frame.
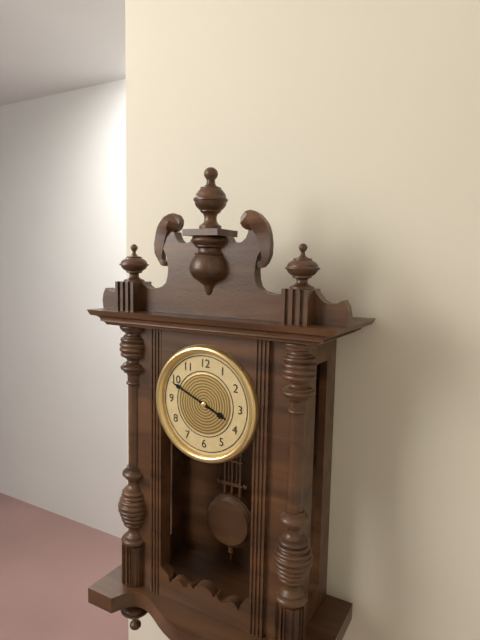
3:49
